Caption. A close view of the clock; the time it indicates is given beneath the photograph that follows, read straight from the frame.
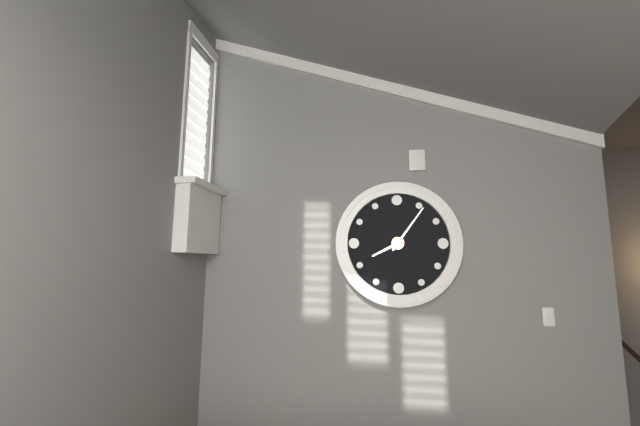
8:06
